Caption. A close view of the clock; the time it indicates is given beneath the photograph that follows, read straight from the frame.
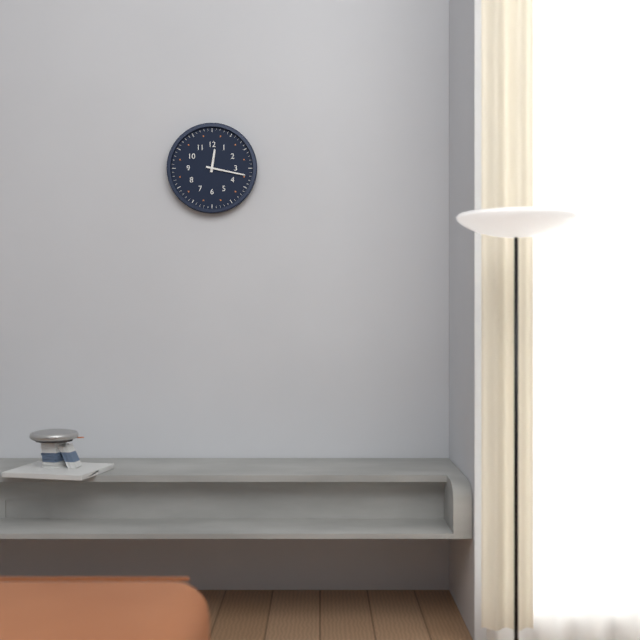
12:17
